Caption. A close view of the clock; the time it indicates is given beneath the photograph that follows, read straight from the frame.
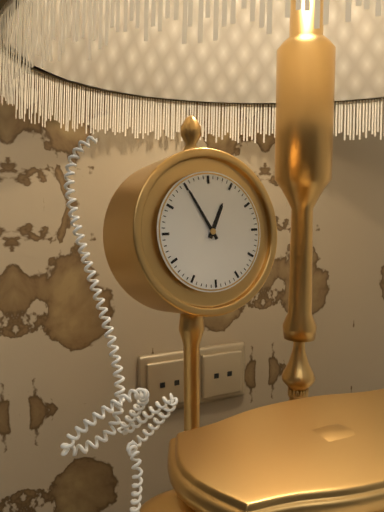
12:55
